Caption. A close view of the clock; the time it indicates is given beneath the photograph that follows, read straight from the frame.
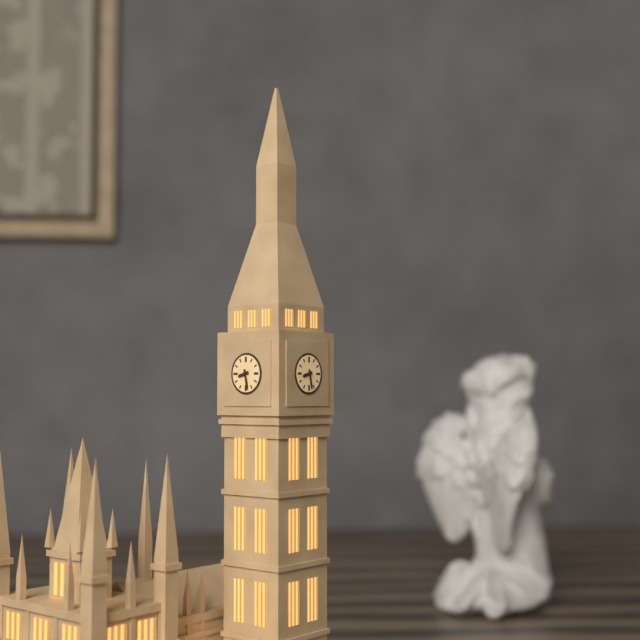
8:28
